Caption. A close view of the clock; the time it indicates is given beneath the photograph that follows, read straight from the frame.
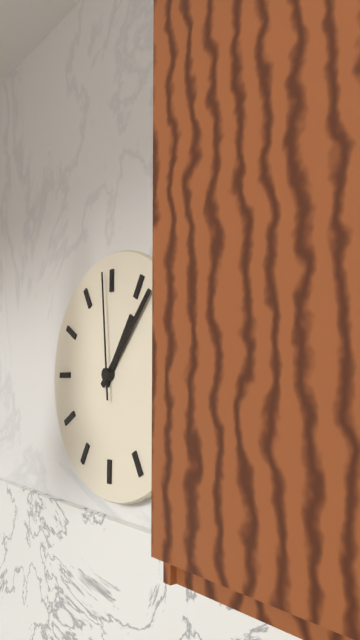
1:07:59
